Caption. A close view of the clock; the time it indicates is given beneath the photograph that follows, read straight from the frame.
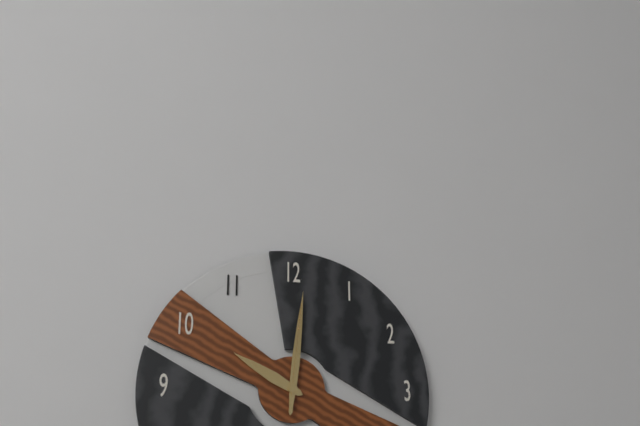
10:01:01
